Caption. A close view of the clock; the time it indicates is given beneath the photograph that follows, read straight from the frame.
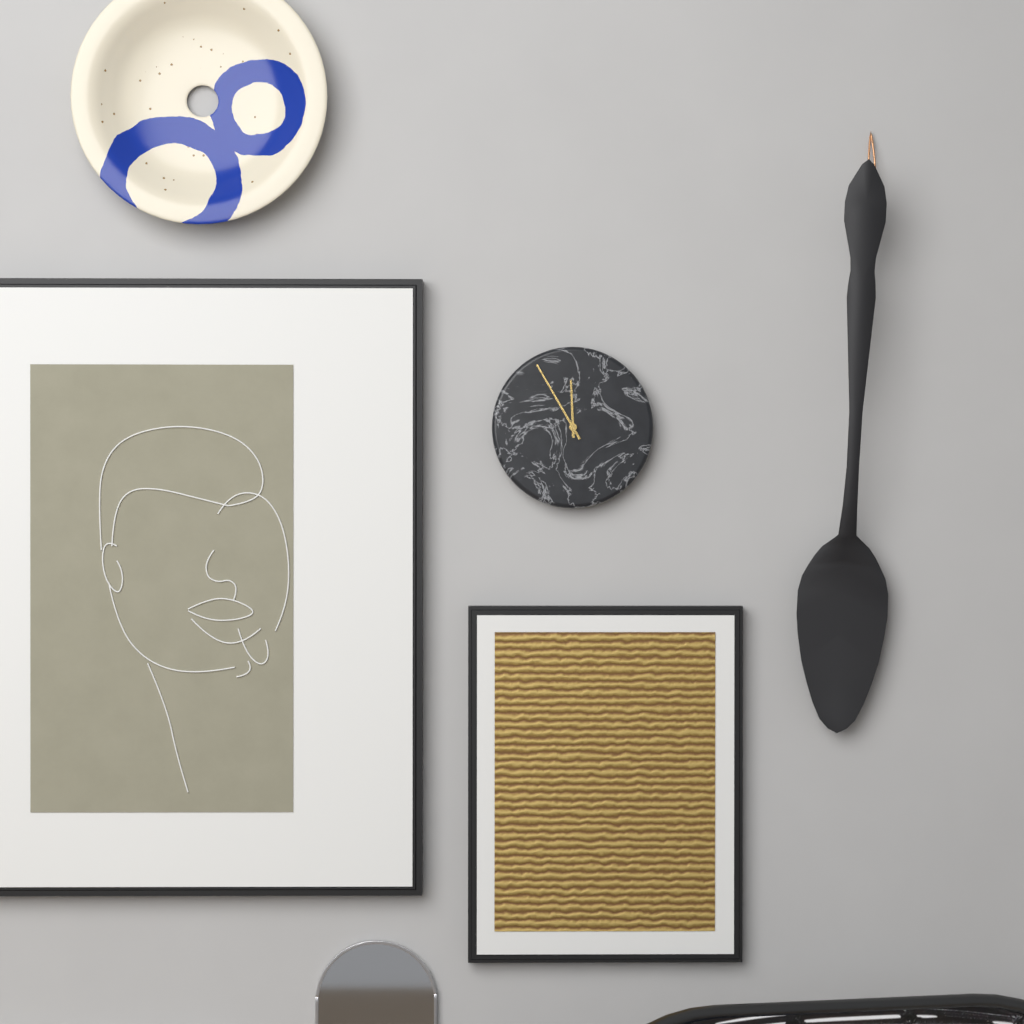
11:55
